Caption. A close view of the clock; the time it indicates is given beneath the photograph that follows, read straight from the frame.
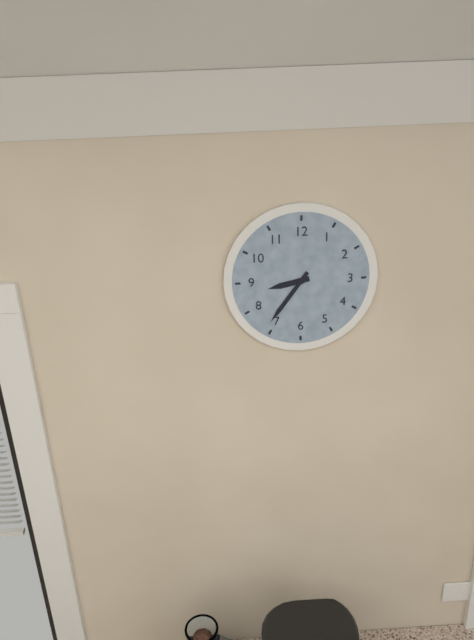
8:36
